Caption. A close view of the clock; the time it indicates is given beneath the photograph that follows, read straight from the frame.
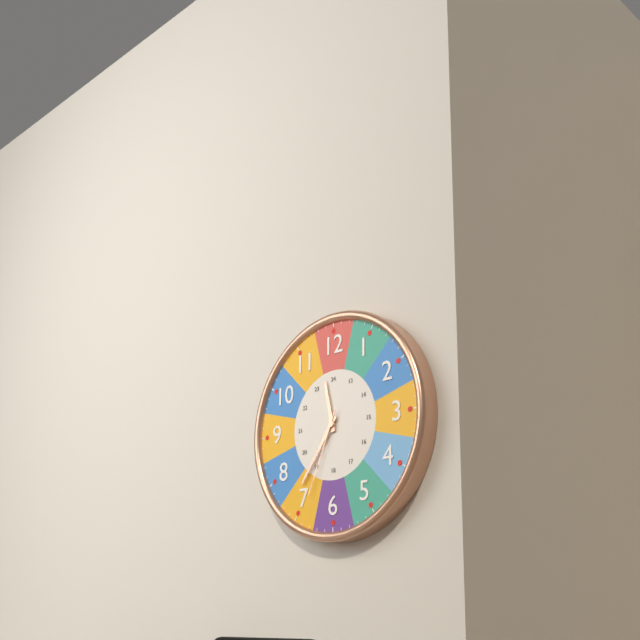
11:36:34
